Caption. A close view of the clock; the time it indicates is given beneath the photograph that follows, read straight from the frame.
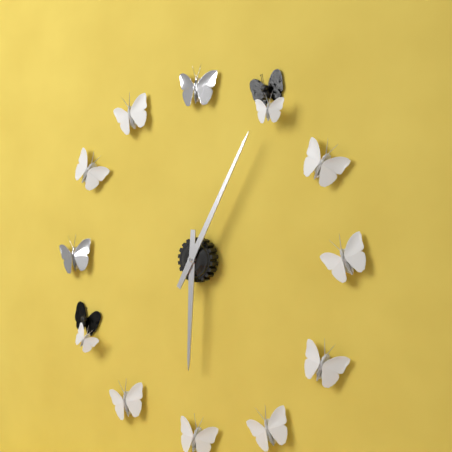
6:05
